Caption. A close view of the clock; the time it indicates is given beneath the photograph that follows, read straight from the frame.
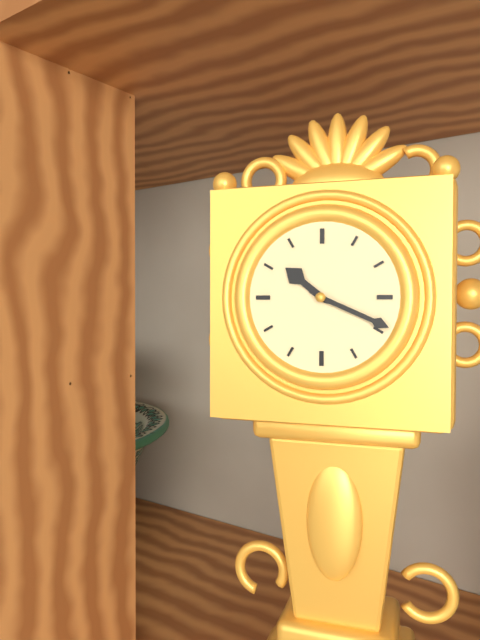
10:19
